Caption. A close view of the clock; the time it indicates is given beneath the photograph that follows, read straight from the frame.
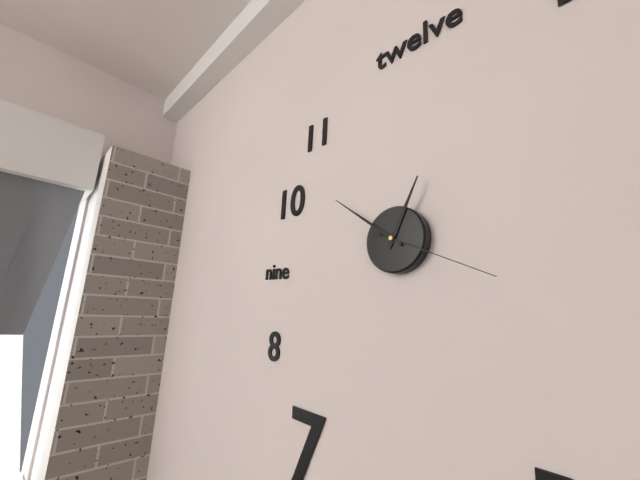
12:51:19
